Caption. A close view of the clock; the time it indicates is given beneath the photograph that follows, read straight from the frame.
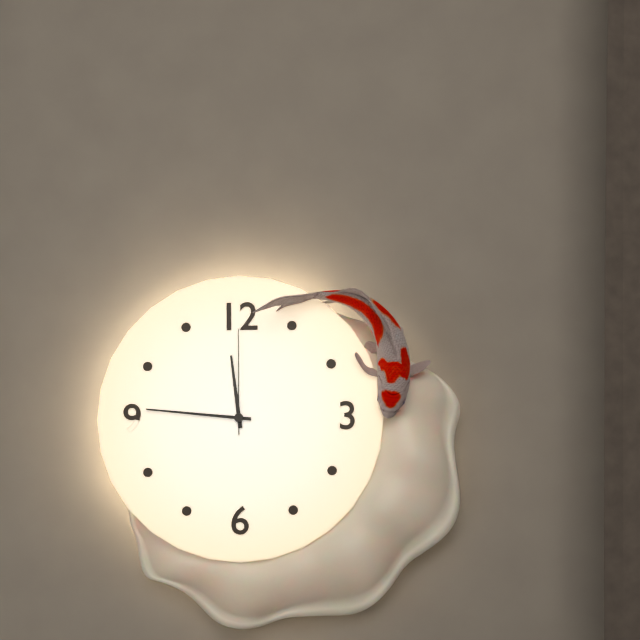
11:46:00
